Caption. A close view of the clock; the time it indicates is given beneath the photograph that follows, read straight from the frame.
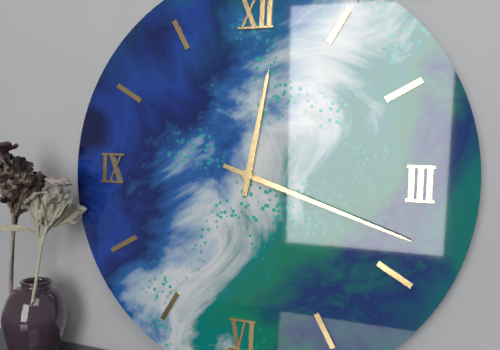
12:18
